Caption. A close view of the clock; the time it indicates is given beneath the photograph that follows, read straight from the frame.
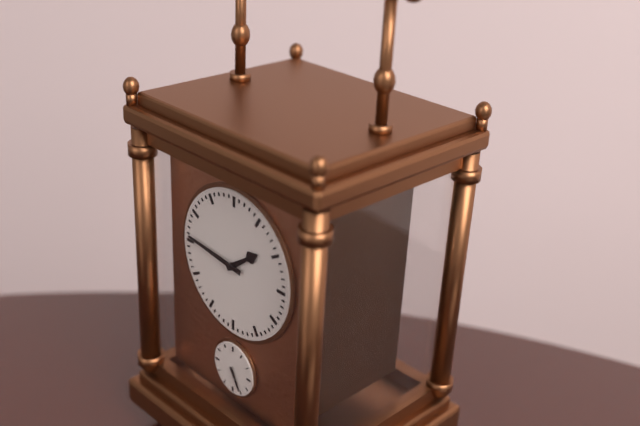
1:46
